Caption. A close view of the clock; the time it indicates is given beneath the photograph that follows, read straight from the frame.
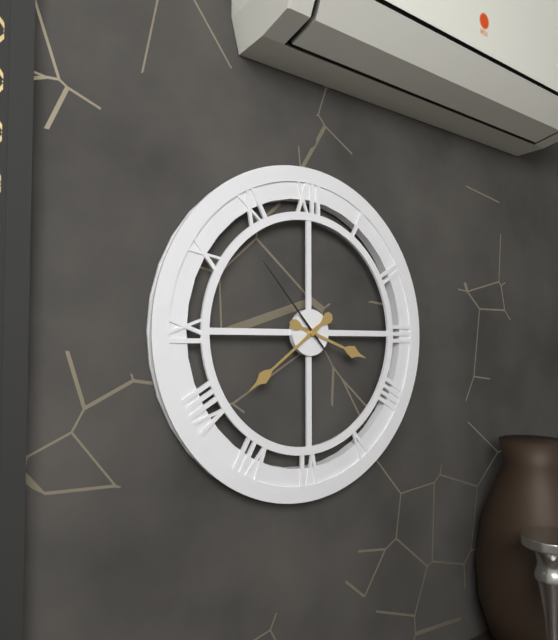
3:39:53
